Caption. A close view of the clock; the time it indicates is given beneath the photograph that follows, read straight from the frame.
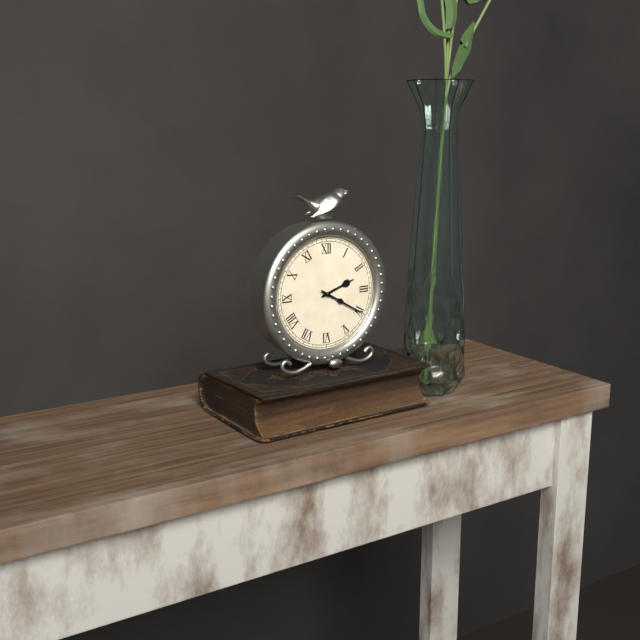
2:20
